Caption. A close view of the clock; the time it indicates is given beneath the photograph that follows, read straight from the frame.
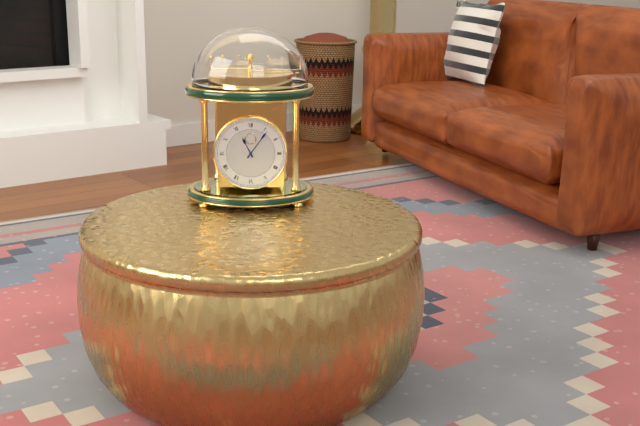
11:06
